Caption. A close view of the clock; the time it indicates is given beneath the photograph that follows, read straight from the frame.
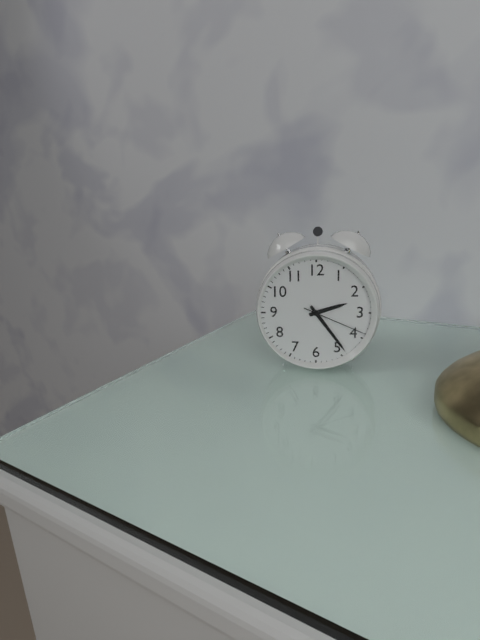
2:24:19
